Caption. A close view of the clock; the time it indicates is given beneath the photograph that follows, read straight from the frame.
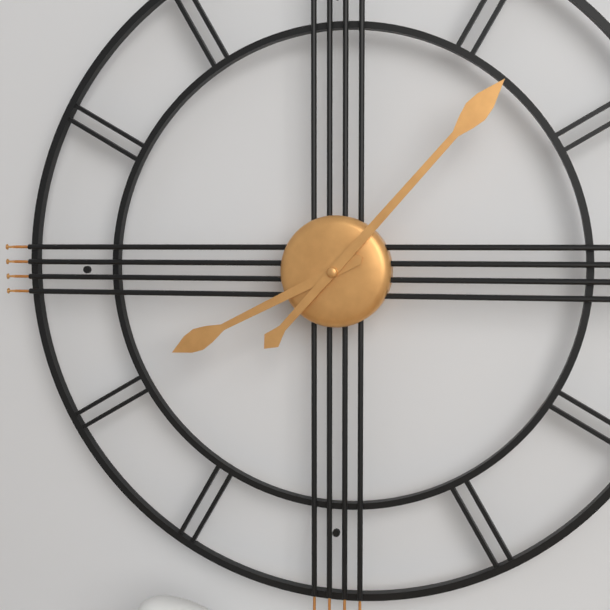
8:07
